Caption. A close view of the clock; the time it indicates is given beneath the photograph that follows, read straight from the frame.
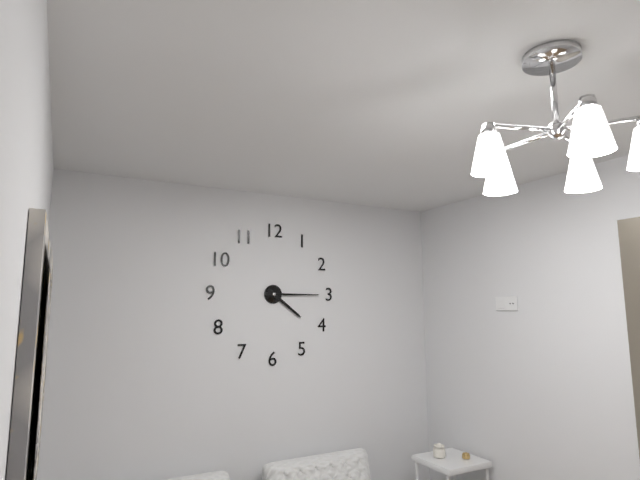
4:15
